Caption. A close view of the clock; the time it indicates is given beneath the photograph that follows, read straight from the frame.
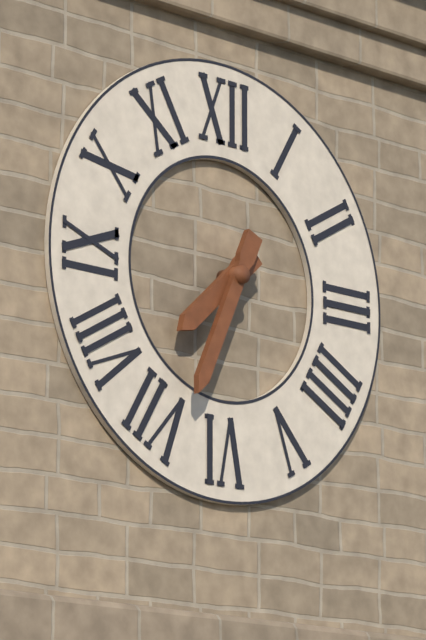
7:34
